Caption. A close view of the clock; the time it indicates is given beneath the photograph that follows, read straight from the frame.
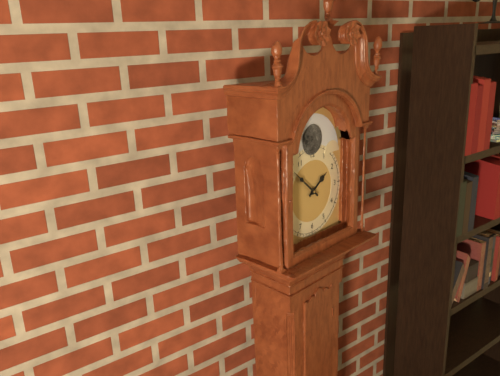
1:52
